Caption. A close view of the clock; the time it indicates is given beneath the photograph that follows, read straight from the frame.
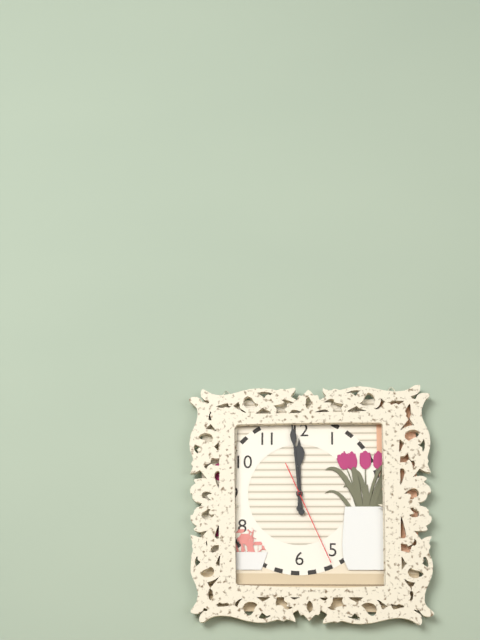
11:59:26
